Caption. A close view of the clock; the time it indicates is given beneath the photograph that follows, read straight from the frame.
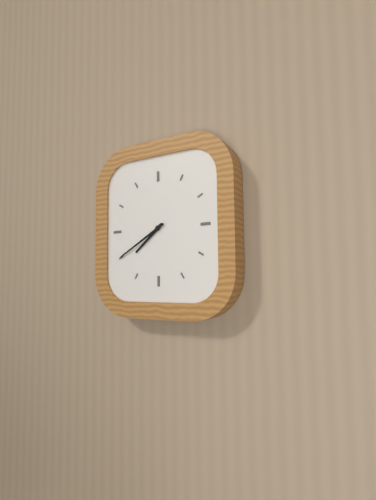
7:40
